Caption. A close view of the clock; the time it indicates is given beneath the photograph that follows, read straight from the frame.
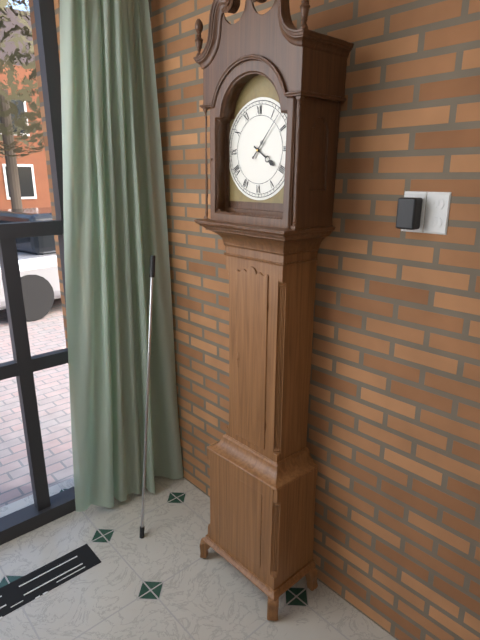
4:07
